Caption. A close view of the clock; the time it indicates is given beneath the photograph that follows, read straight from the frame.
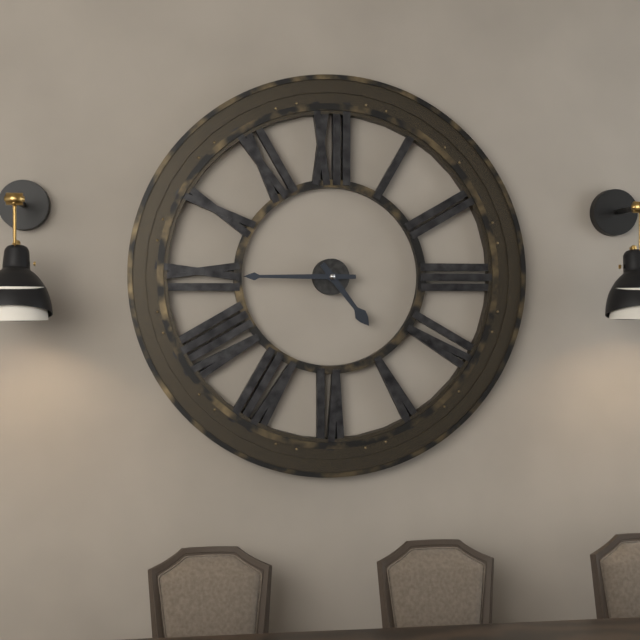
4:45
